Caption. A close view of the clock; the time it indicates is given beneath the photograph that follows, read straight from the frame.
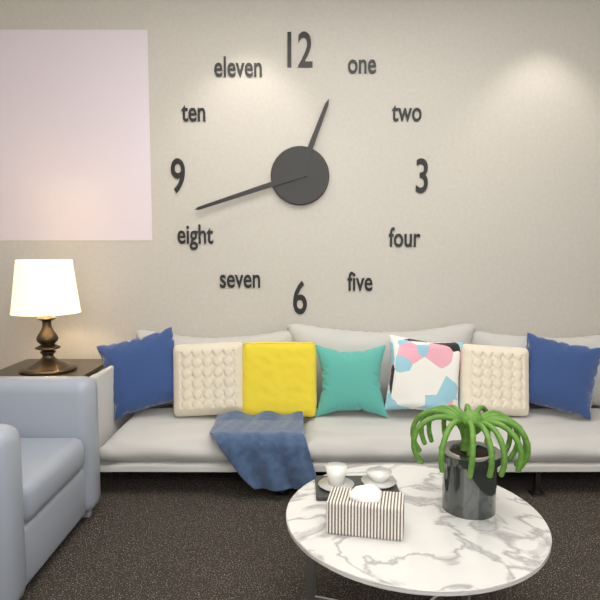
12:42
